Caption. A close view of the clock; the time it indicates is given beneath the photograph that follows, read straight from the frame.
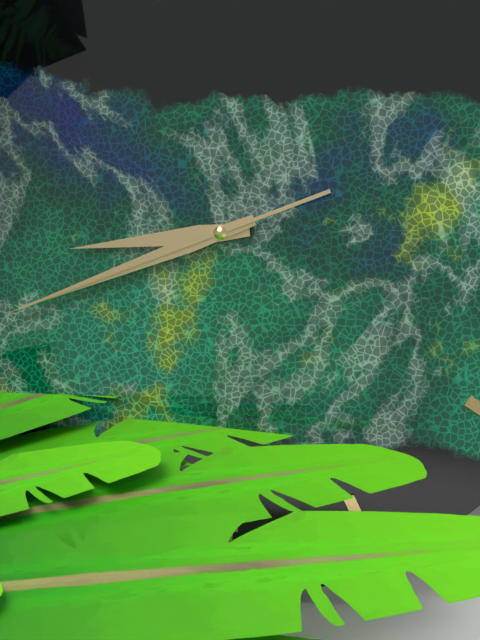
8:41:41
